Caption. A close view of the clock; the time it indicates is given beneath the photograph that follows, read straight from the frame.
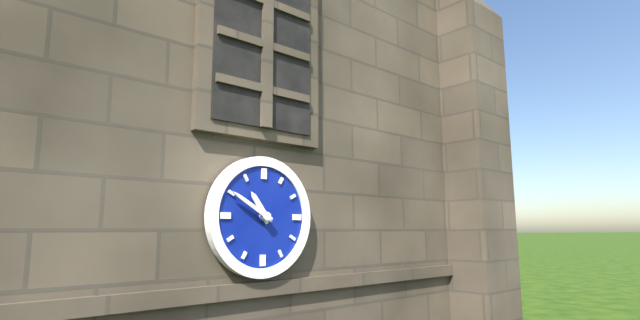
10:50
